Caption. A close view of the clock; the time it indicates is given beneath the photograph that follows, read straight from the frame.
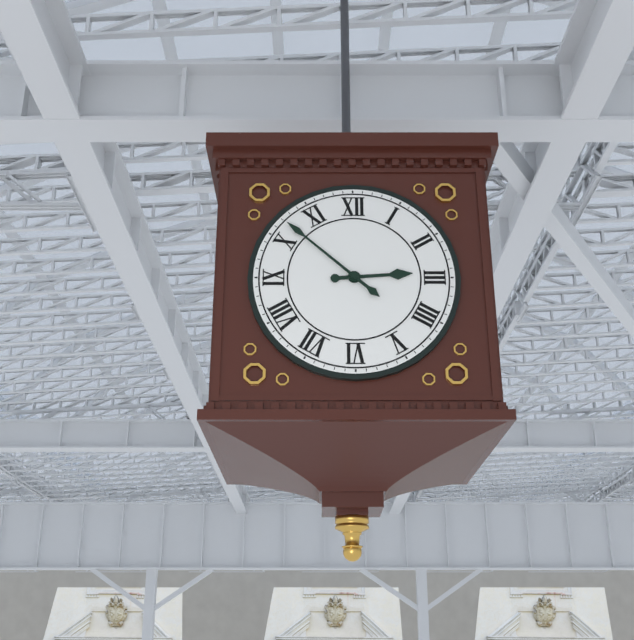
2:52
